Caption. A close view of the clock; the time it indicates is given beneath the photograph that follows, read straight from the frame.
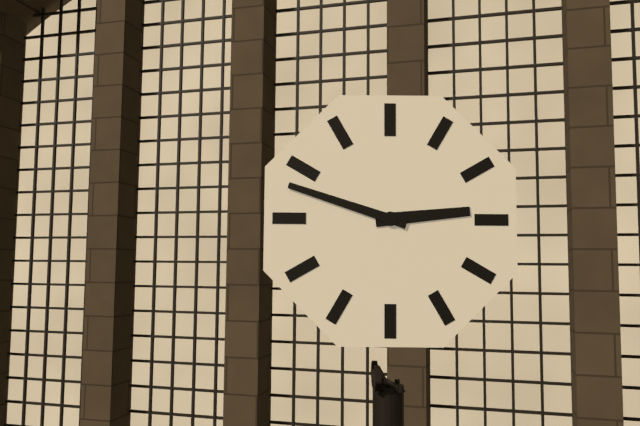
2:48
